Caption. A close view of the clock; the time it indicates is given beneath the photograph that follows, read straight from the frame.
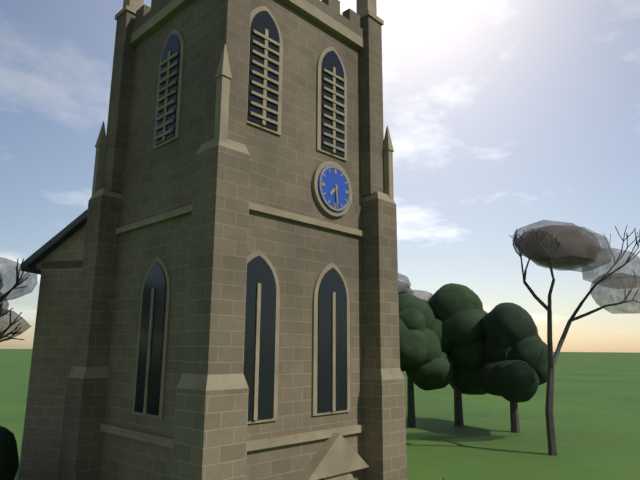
7:29
